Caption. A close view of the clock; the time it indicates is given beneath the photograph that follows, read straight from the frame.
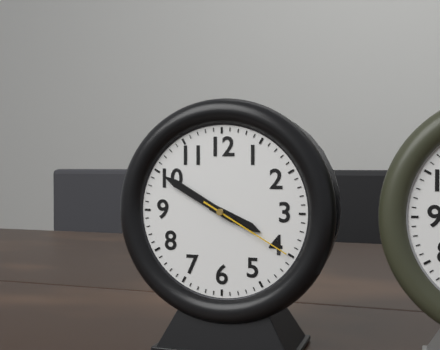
3:50:20
